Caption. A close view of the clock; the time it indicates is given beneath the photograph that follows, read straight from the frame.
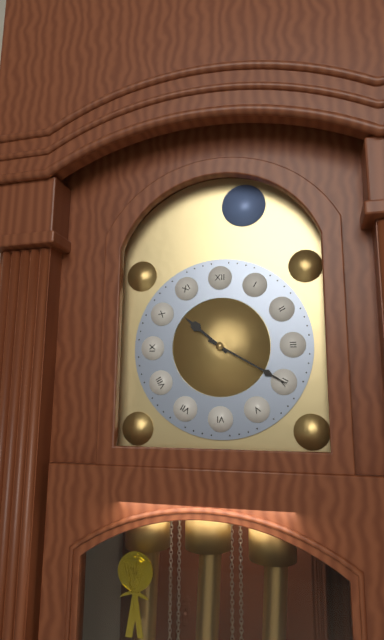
10:20
